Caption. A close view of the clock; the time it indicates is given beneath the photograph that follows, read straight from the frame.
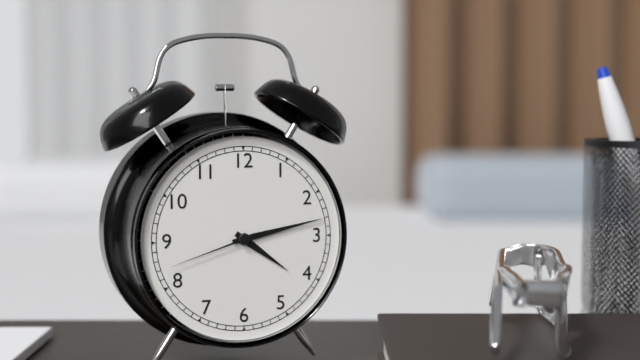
4:13:42
